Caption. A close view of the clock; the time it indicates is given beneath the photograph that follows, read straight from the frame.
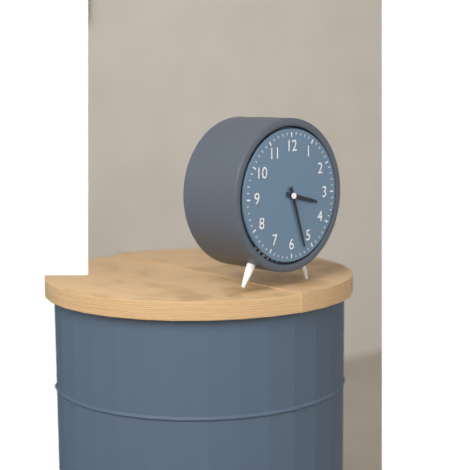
3:27
